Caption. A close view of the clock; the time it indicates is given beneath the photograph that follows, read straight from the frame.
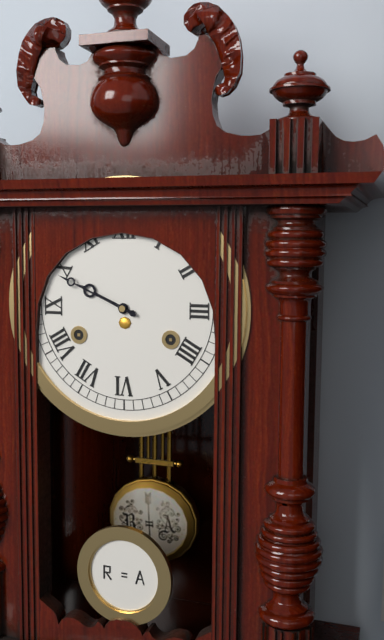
9:49
